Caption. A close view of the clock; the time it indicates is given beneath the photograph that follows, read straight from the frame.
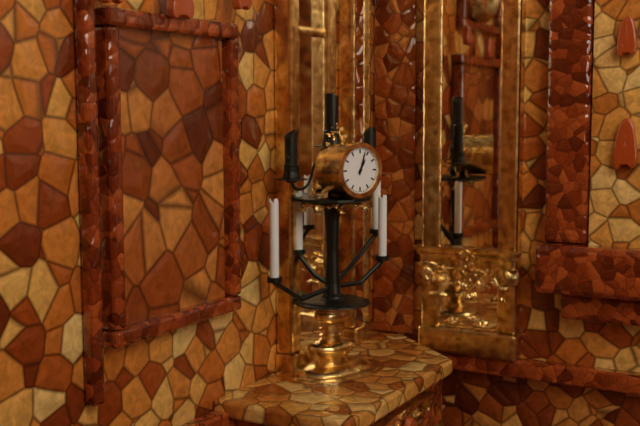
1:03
